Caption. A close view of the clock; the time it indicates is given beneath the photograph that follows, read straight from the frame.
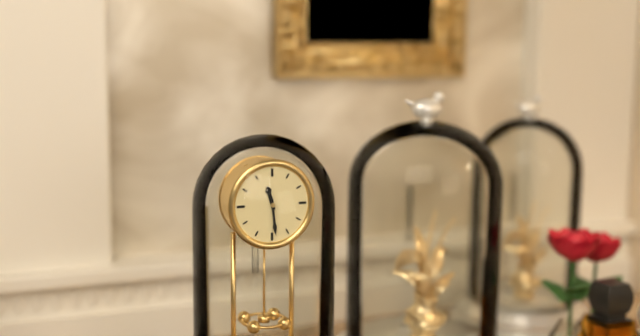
11:29
